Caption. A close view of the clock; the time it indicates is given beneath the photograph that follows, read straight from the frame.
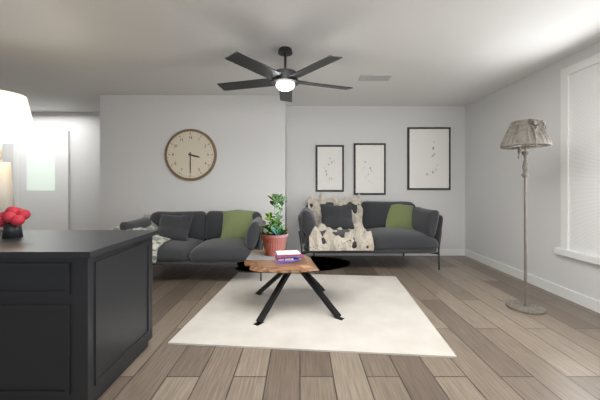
3:30
